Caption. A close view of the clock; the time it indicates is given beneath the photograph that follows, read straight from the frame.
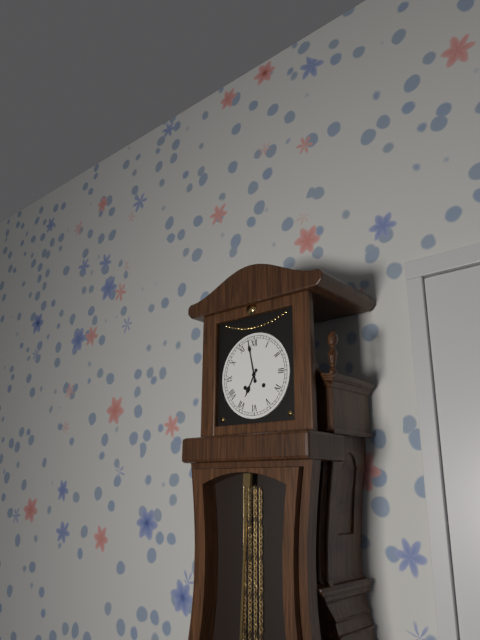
6:58
